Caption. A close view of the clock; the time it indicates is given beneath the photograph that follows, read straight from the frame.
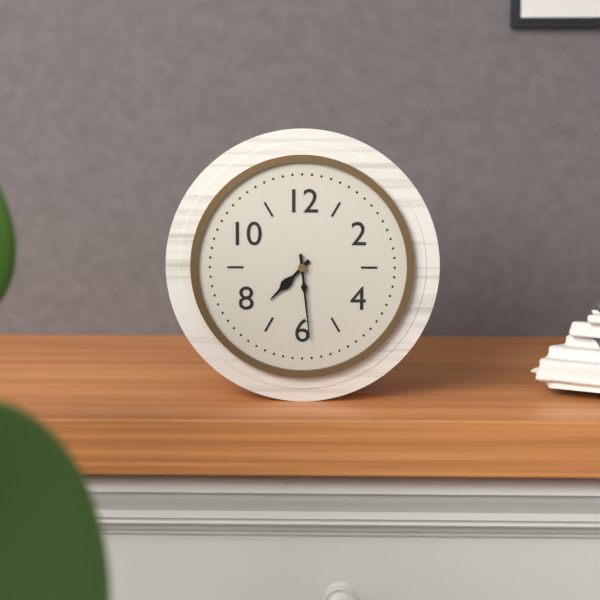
7:29
